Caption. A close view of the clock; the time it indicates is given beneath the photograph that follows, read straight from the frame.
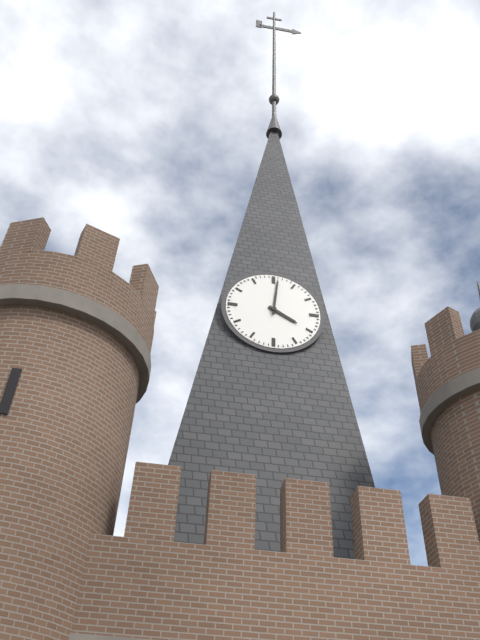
4:01
